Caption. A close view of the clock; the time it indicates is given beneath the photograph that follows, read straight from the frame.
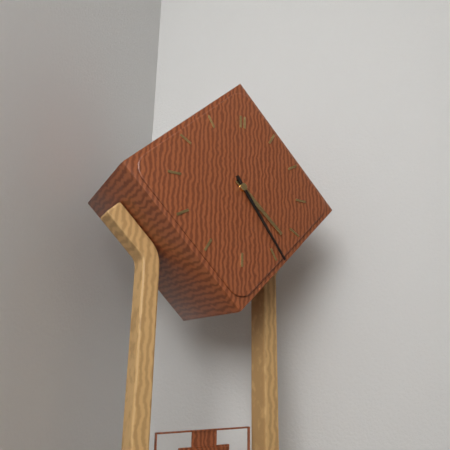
4:24
